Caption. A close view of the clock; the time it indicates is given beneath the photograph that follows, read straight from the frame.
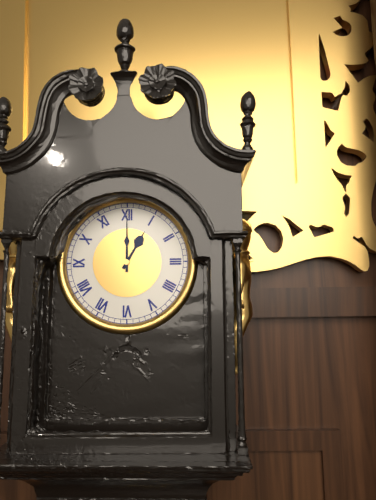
1:00
